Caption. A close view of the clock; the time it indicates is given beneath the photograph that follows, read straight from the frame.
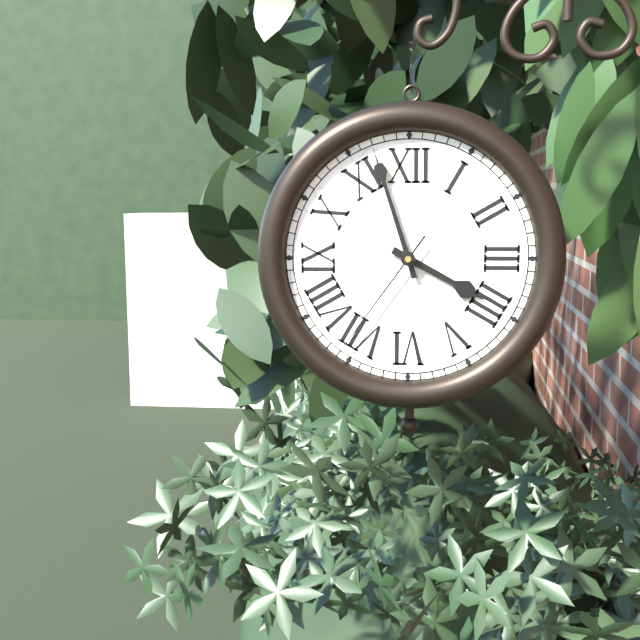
3:57:36
